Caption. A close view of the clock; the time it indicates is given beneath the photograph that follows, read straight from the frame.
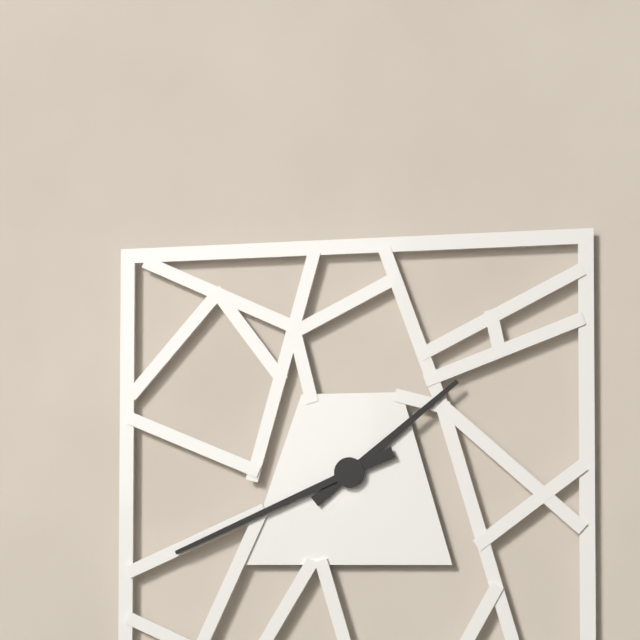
1:41
